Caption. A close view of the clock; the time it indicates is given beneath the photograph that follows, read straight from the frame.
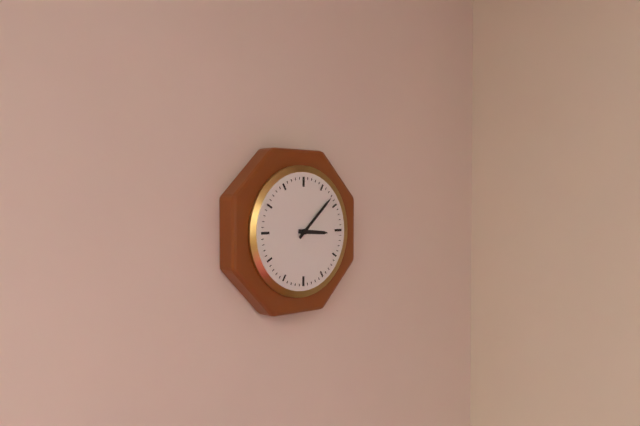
3:08
